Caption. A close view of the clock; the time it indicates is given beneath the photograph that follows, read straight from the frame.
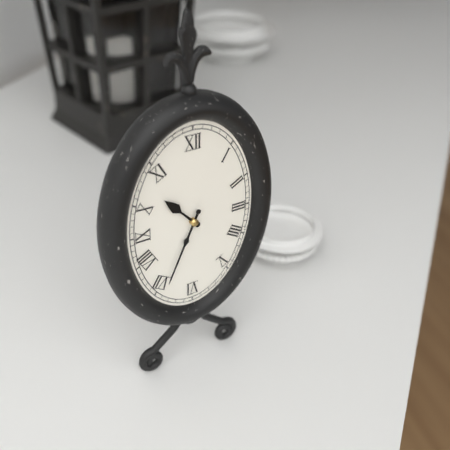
10:34
